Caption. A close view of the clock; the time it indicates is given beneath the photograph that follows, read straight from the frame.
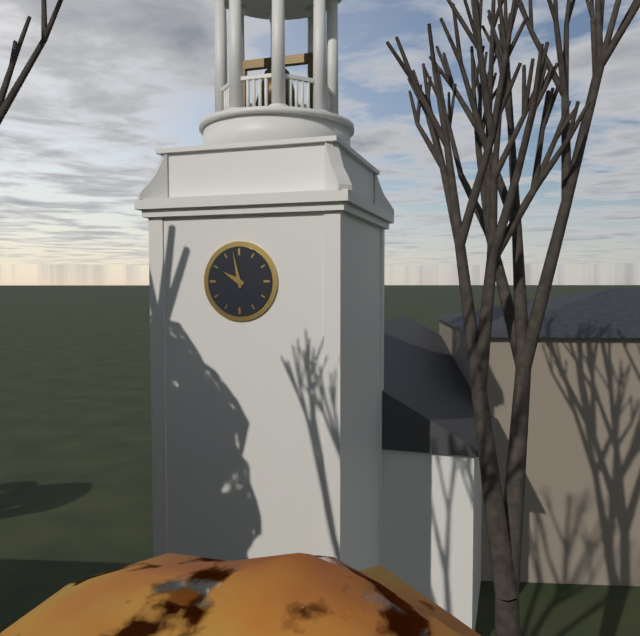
9:58
